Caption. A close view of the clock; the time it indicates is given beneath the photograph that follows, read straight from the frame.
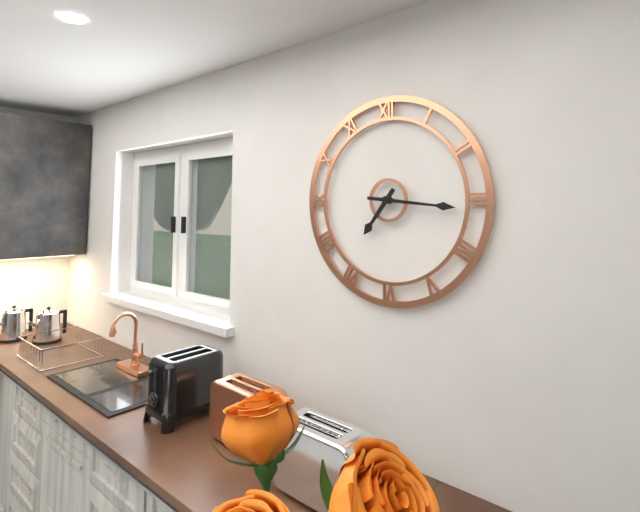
7:16
